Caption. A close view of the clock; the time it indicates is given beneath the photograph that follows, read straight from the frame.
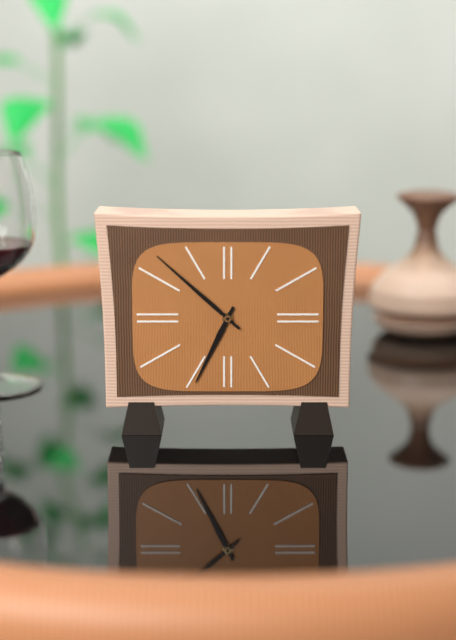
6:52
